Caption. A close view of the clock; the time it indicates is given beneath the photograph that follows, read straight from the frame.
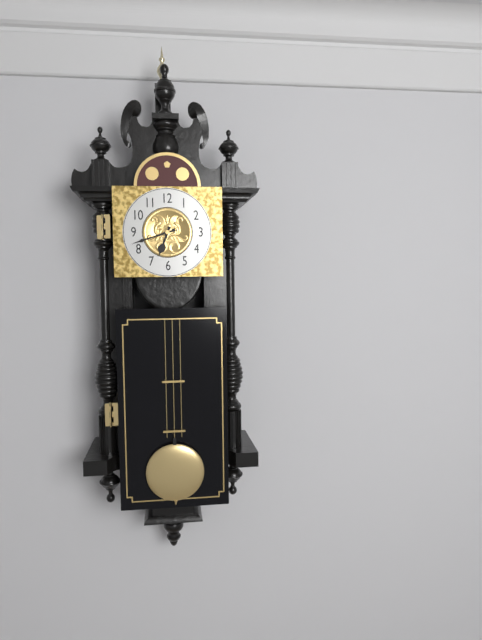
6:42
